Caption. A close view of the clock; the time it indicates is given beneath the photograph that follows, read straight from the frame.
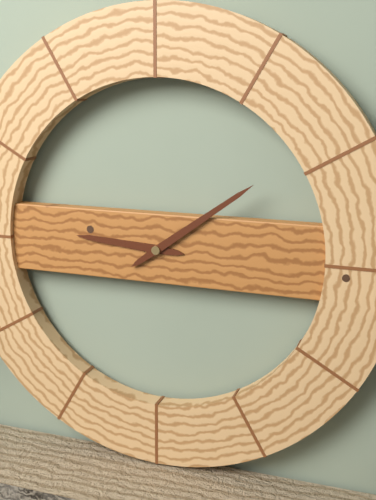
9:09
